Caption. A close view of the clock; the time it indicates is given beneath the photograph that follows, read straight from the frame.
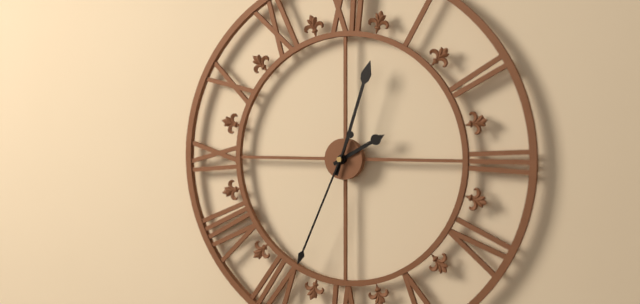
2:03:34
